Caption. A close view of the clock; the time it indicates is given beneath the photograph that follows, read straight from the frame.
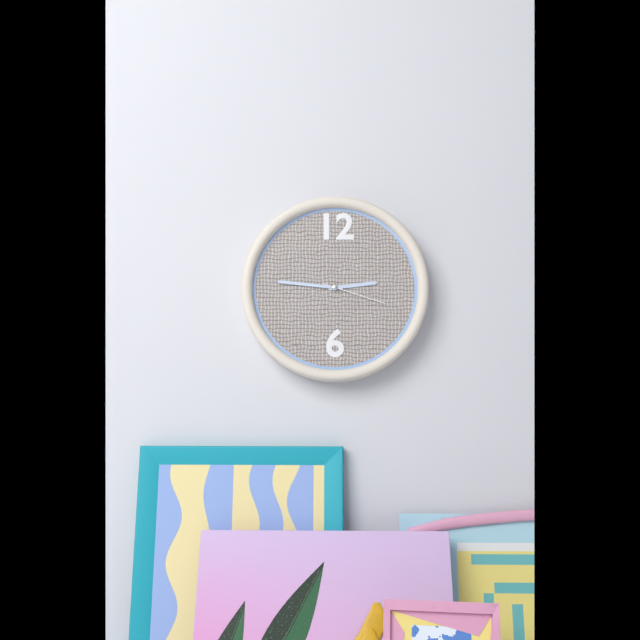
2:46:18
